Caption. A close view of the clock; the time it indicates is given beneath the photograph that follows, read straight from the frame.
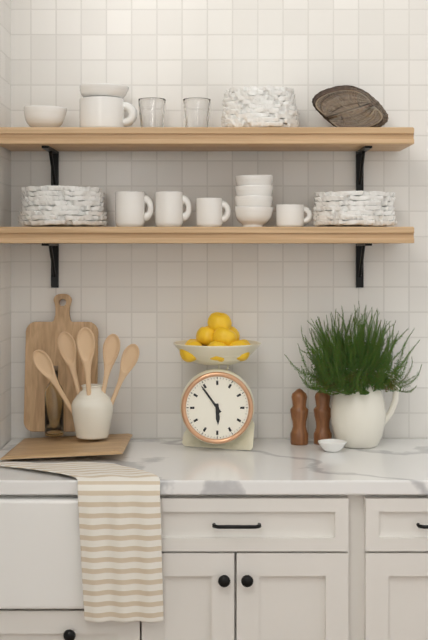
5:54
